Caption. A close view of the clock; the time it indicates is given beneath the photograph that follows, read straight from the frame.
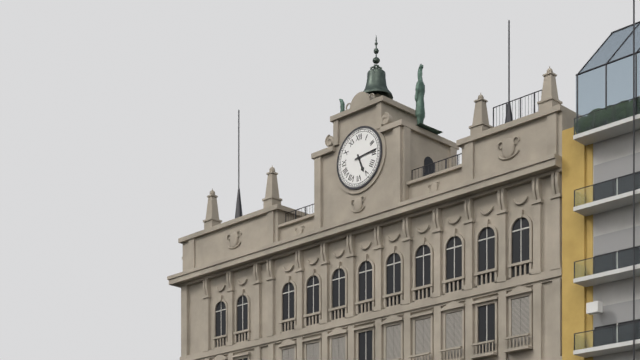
5:14
